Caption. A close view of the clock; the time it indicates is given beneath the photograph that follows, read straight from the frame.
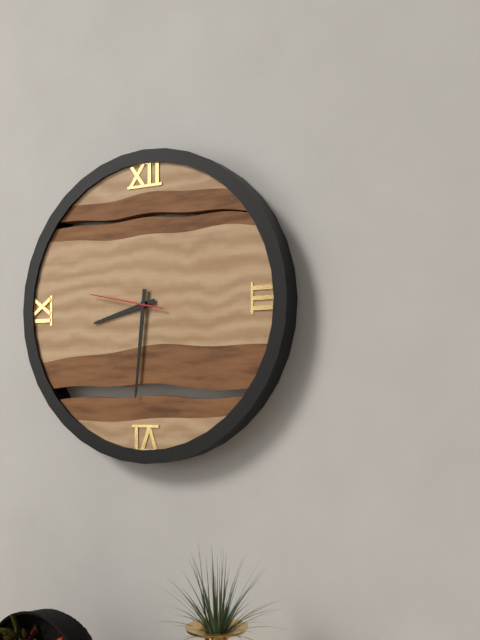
8:31:47
